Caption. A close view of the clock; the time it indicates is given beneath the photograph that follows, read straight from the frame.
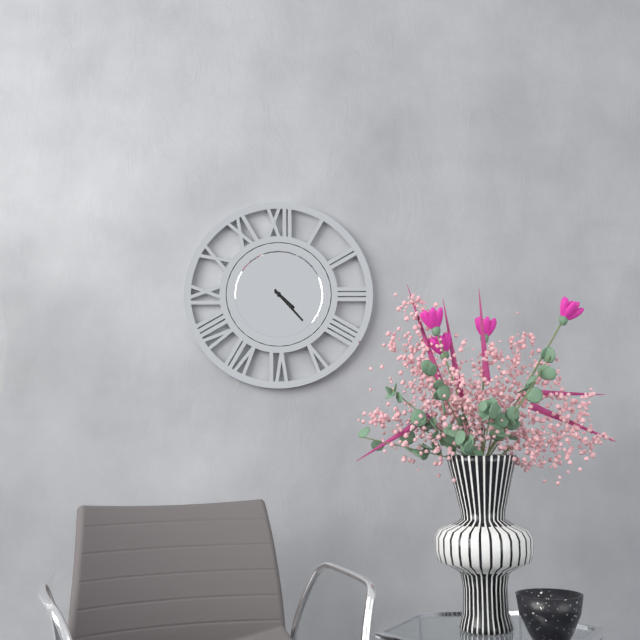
4:23
